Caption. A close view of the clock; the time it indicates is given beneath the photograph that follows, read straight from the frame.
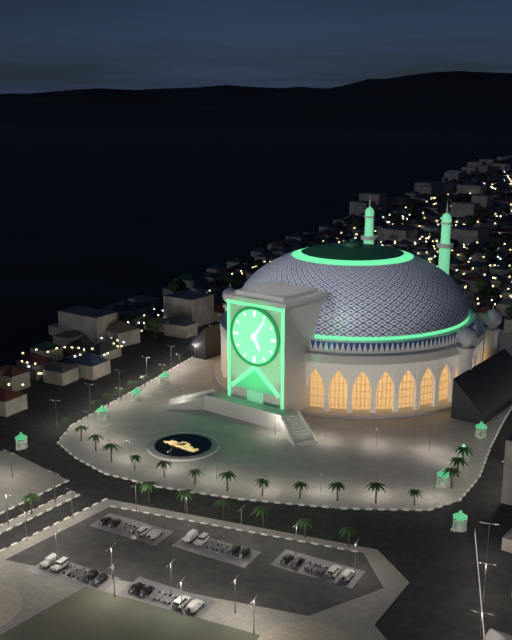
5:06
